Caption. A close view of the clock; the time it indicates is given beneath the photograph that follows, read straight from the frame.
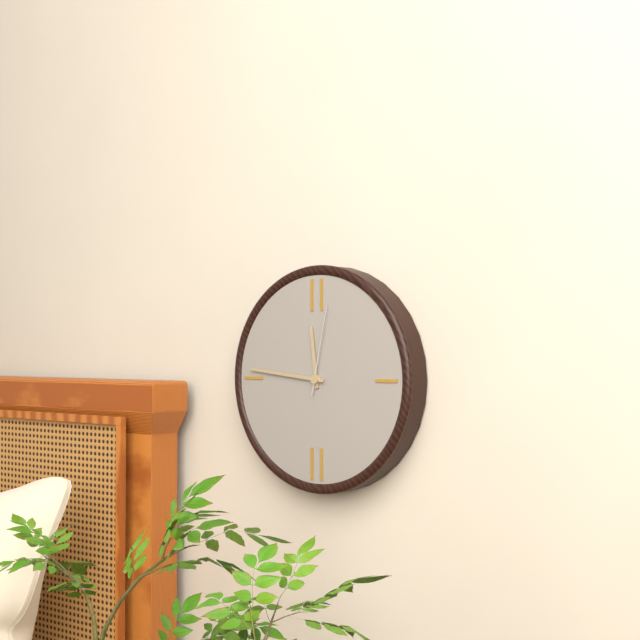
11:46:02
